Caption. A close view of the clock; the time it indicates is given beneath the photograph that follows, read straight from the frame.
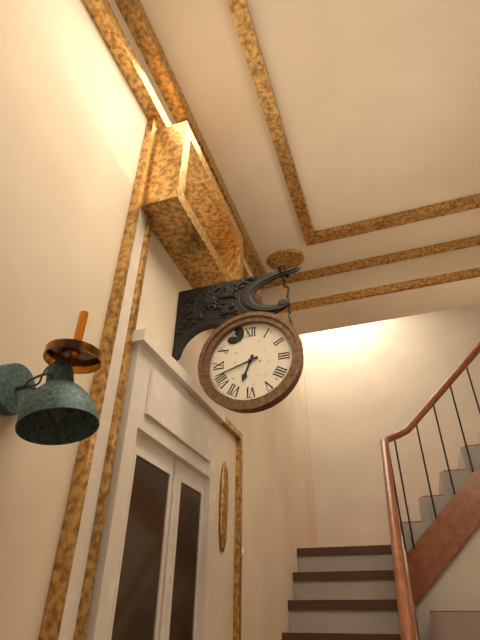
6:42
